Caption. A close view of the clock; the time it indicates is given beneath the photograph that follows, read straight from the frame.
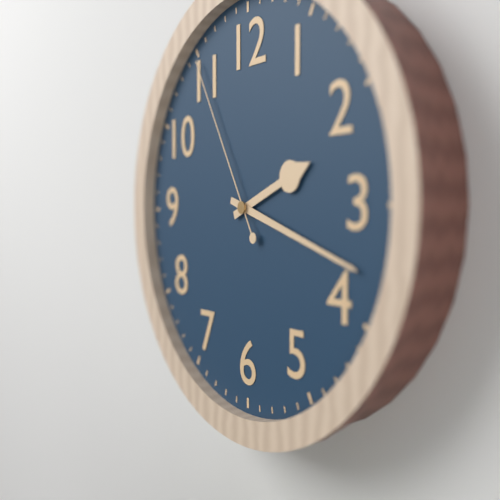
2:18:55
